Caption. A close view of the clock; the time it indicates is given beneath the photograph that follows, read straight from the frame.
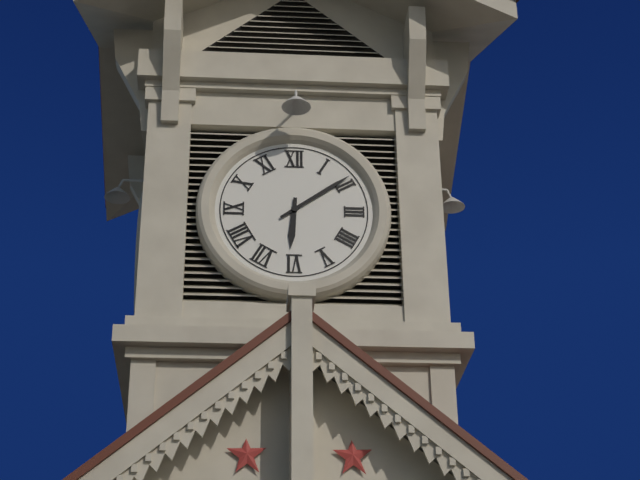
6:09
